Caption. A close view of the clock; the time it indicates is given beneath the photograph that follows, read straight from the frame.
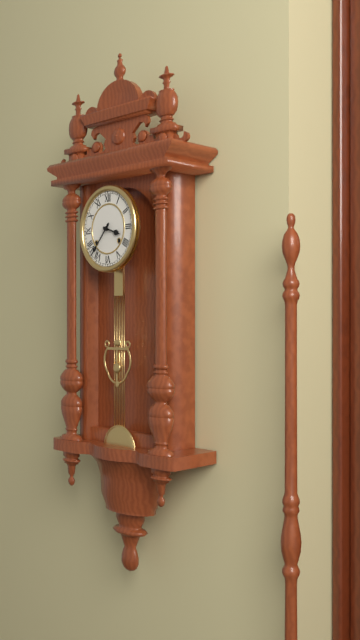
3:37
